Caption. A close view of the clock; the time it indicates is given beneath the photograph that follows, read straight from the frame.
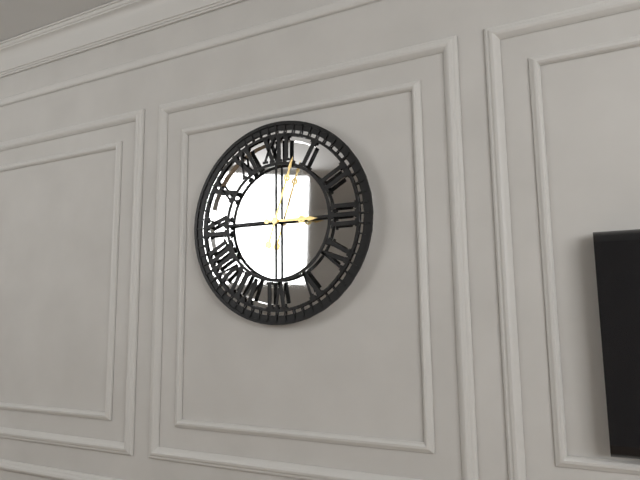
3:03
